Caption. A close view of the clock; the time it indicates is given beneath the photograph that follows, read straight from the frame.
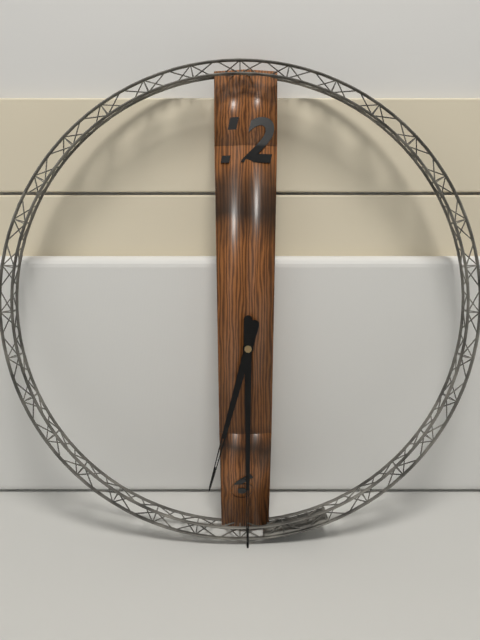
6:30
